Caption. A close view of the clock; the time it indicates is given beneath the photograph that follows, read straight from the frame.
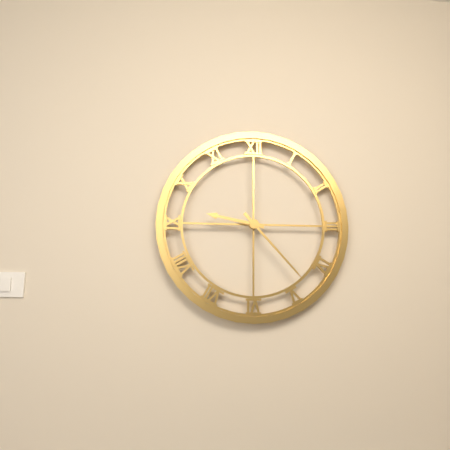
9:23
